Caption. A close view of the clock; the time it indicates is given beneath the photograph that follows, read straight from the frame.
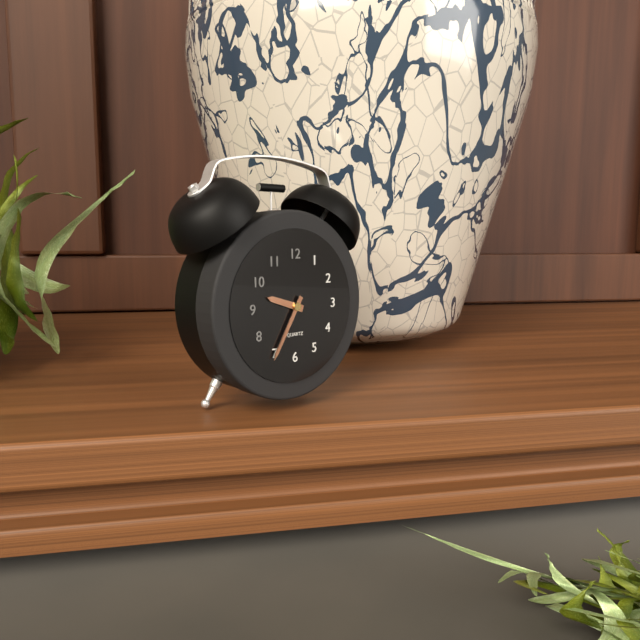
9:35
